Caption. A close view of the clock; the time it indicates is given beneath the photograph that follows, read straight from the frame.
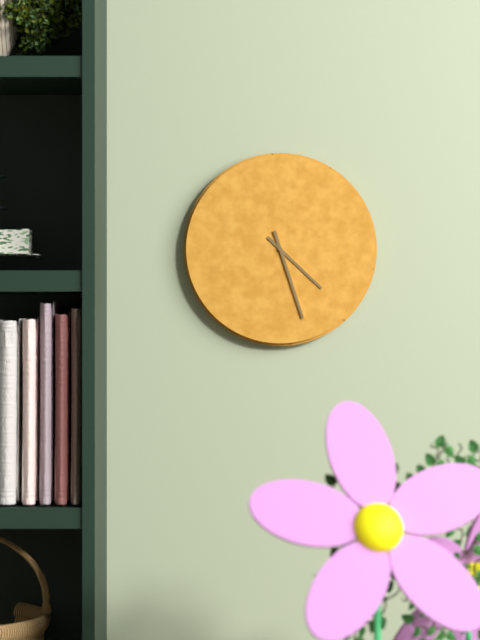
4:27
